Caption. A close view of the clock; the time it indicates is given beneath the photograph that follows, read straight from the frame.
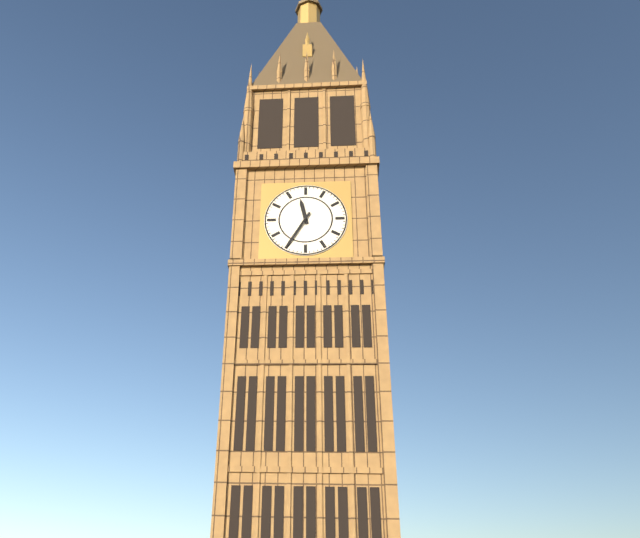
11:35
